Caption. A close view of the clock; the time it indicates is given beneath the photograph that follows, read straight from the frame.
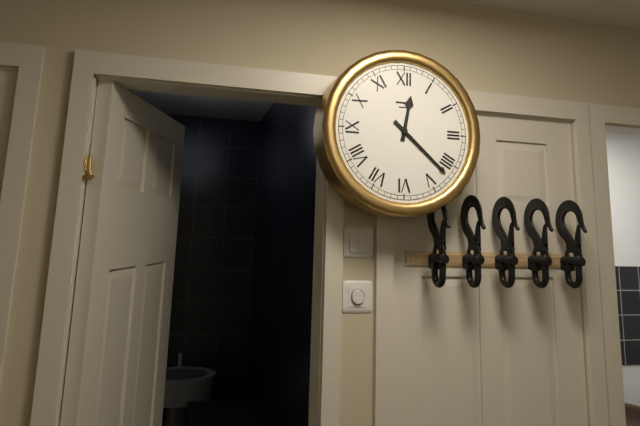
12:22
